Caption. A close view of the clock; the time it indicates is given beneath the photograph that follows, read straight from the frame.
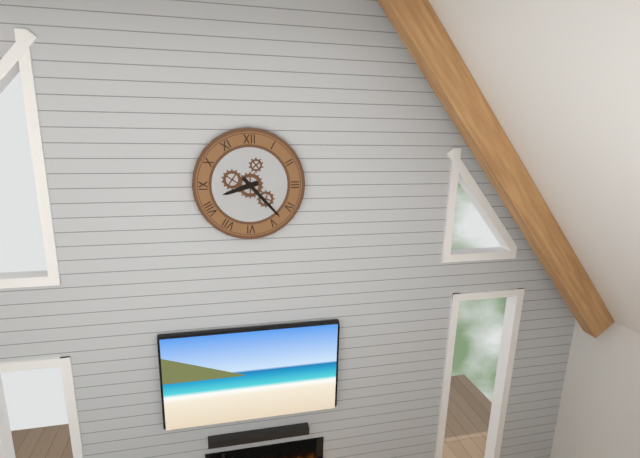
8:23
